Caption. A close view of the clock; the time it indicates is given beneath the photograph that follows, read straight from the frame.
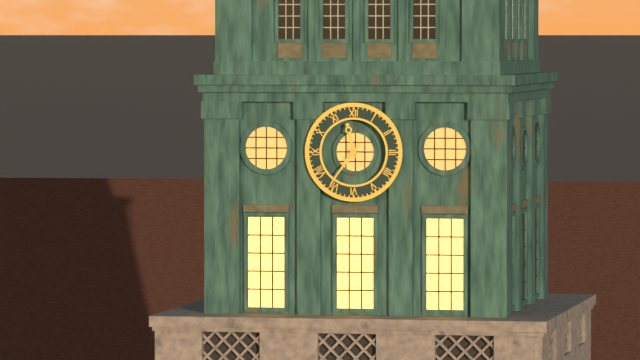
11:36
